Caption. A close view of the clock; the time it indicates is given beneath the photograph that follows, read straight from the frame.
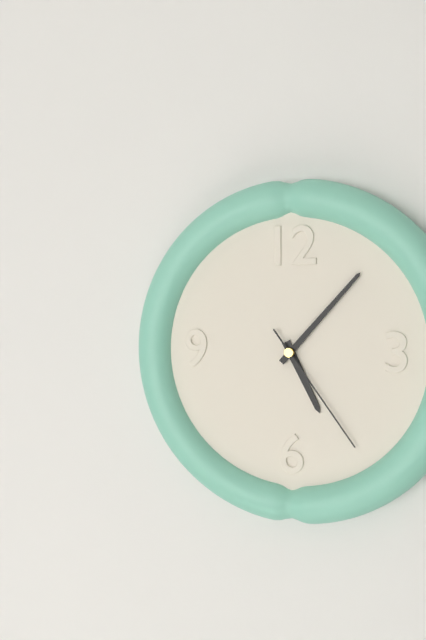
5:07:24
